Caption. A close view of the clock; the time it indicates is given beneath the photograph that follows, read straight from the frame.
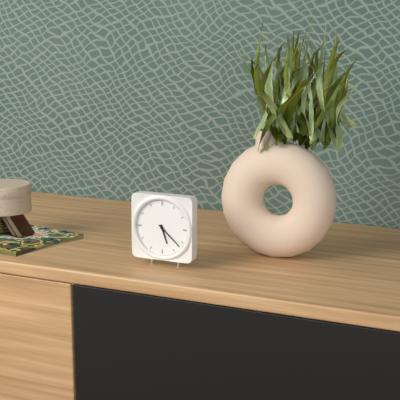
5:22
